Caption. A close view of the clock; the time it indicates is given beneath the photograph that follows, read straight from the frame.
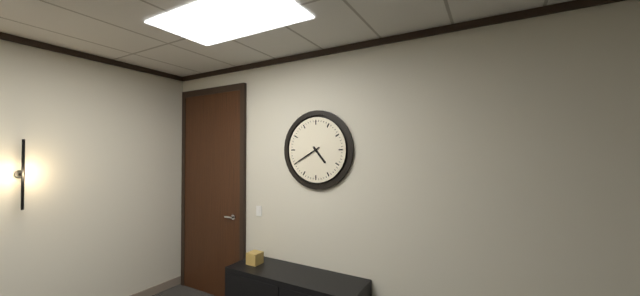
4:40
